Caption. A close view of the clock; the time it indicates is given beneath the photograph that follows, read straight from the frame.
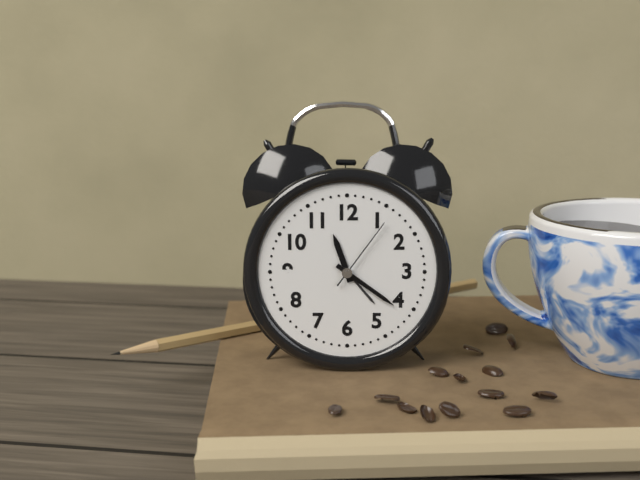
11:21:06
